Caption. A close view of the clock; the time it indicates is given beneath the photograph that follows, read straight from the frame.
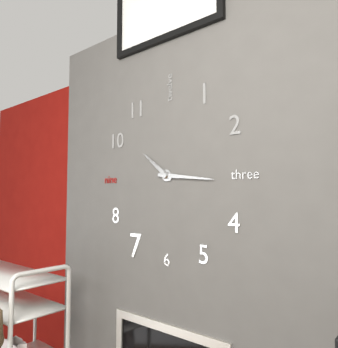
10:16
